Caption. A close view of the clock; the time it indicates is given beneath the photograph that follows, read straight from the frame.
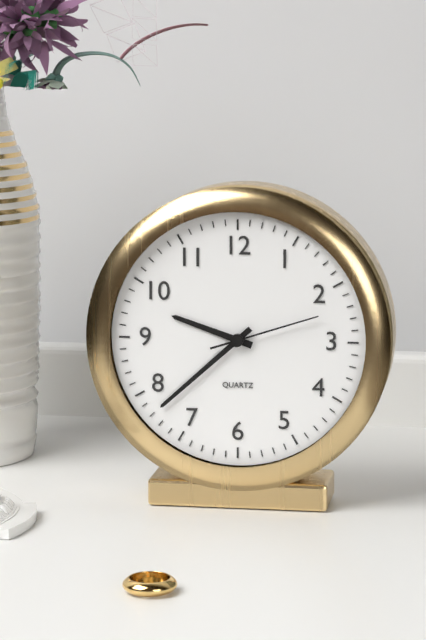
9:38:12
